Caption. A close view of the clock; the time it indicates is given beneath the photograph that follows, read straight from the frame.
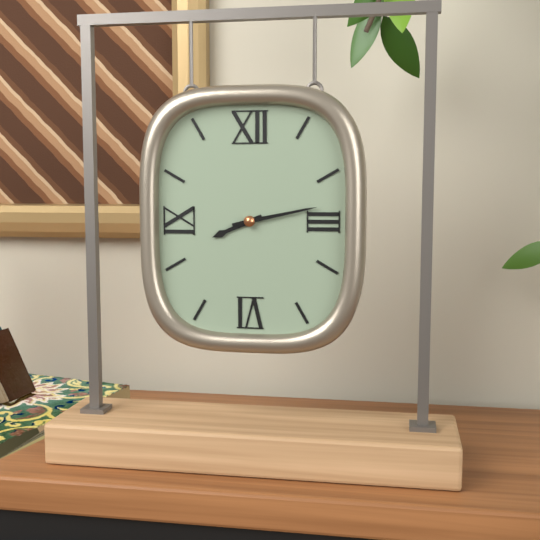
8:13
